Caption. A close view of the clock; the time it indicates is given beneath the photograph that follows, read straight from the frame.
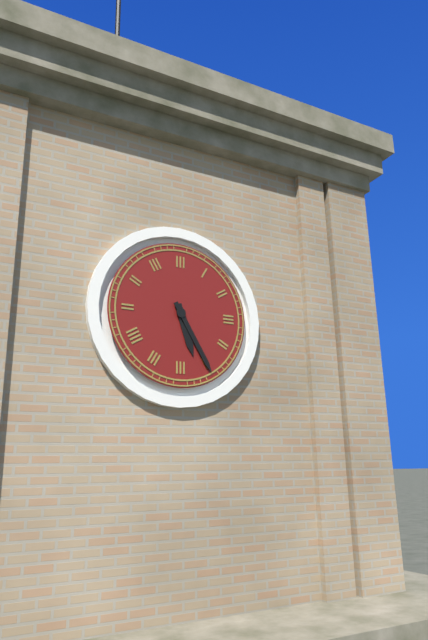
5:25
